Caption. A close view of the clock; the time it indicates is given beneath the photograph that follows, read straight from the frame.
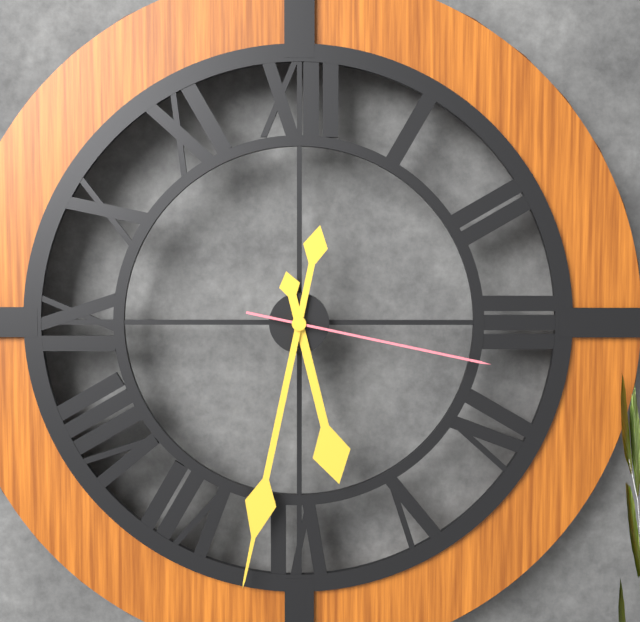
5:32:17
